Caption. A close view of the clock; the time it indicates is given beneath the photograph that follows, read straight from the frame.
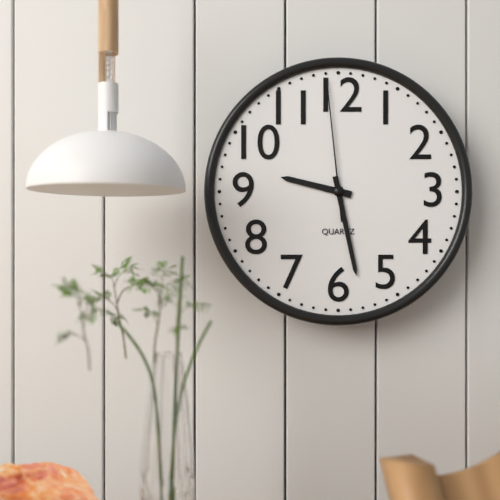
9:28:59
